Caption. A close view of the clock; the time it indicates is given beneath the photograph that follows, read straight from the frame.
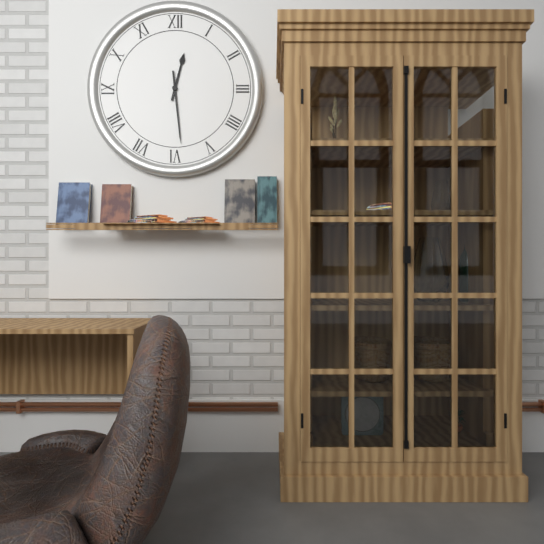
12:29
